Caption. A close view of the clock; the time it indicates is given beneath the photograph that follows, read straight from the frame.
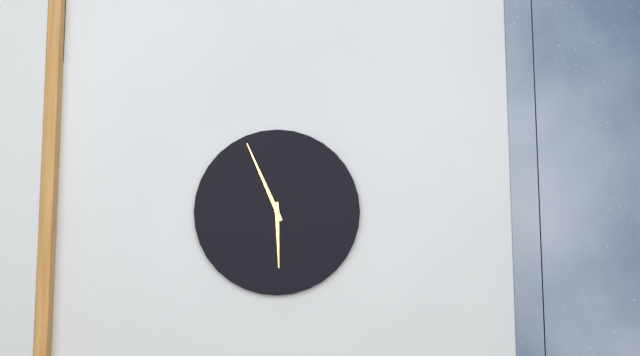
5:56
